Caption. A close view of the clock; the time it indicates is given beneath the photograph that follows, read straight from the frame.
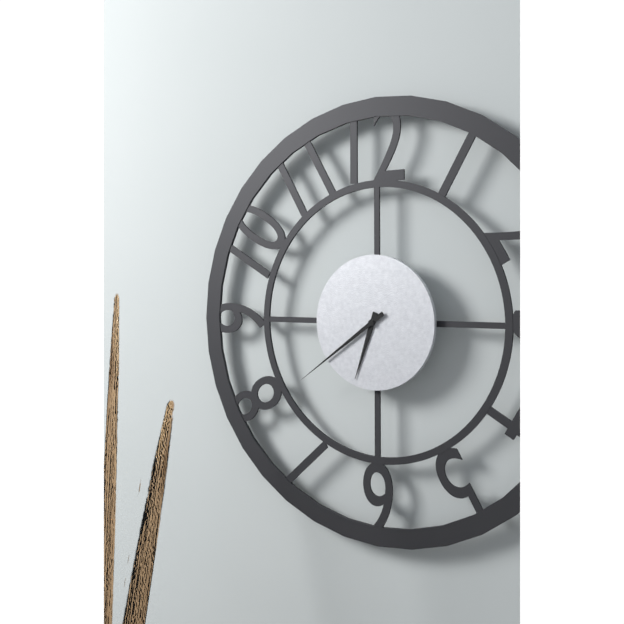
6:39
